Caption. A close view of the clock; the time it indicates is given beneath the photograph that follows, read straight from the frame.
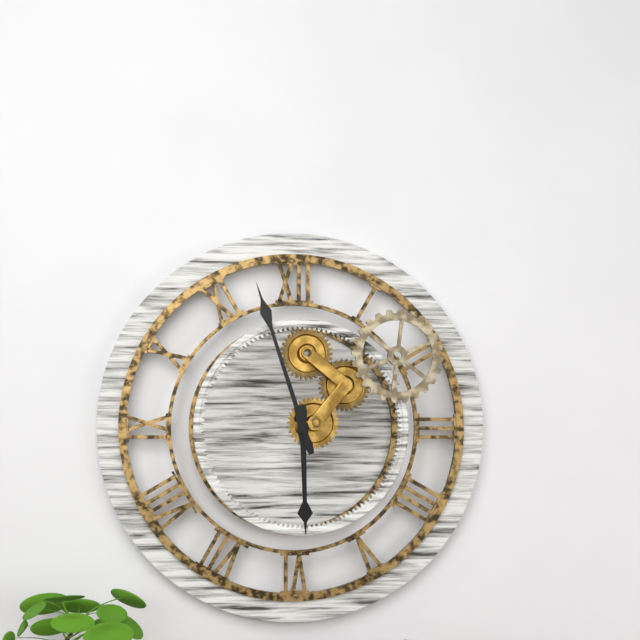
5:57
